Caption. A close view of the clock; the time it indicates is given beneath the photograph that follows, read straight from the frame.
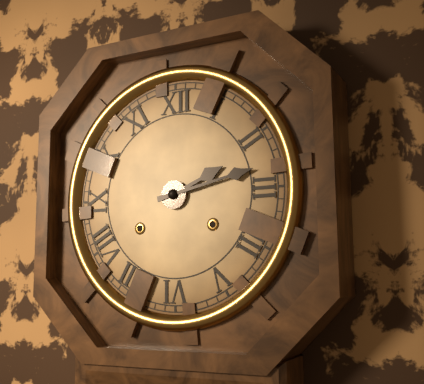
2:13
